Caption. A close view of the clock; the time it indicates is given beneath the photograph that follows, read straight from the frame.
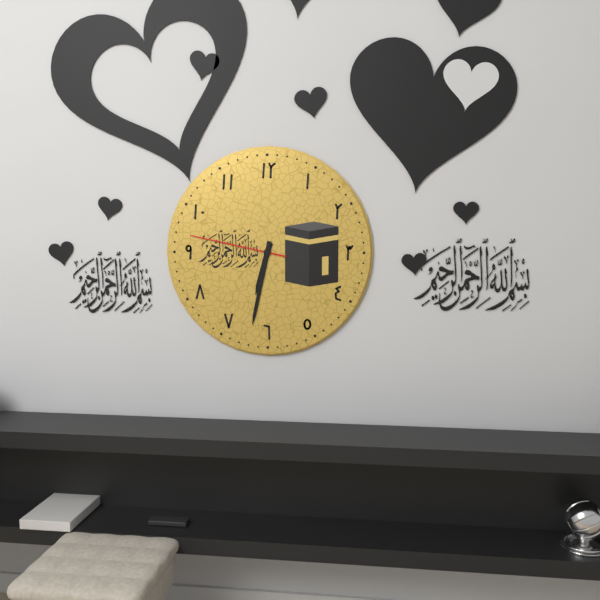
6:32:47
